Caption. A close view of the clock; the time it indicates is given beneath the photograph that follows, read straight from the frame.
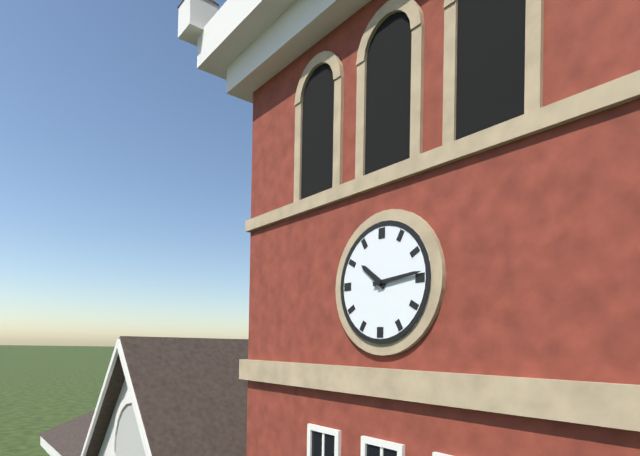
10:14
